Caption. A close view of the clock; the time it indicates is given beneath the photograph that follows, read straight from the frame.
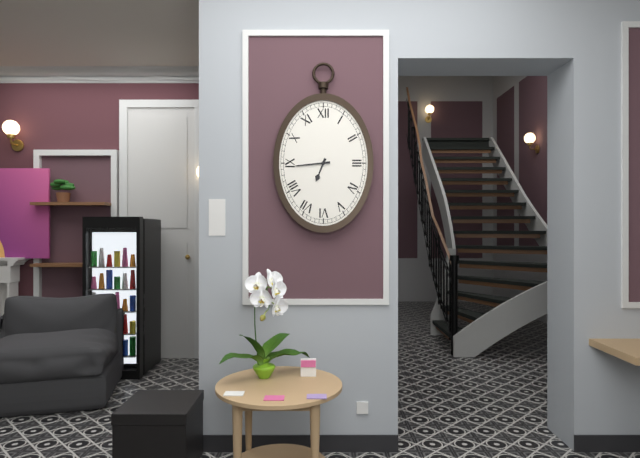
6:44
